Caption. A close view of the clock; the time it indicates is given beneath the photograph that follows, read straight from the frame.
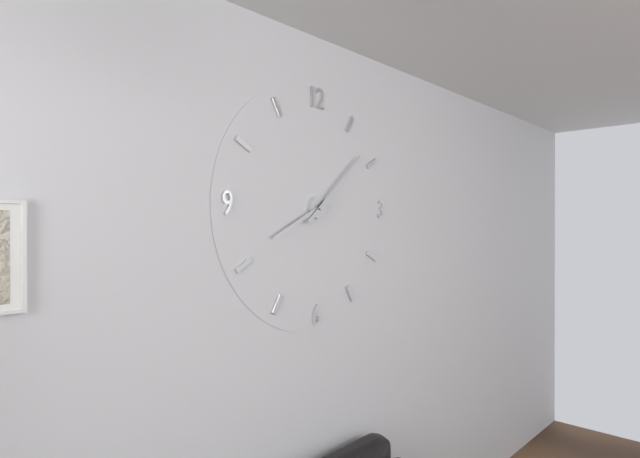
8:08
